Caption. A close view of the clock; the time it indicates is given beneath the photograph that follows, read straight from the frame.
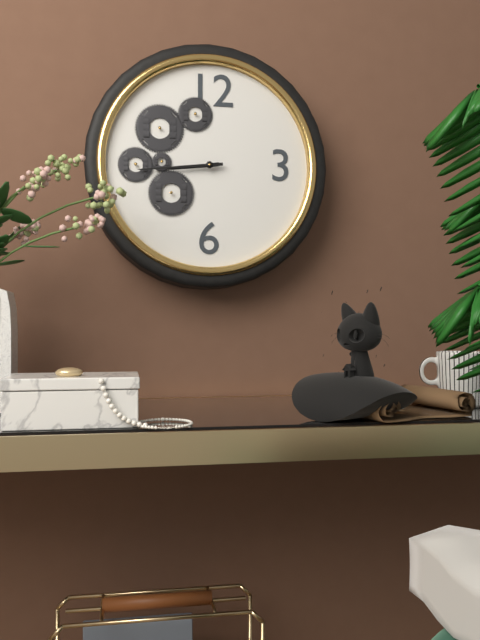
8:44
